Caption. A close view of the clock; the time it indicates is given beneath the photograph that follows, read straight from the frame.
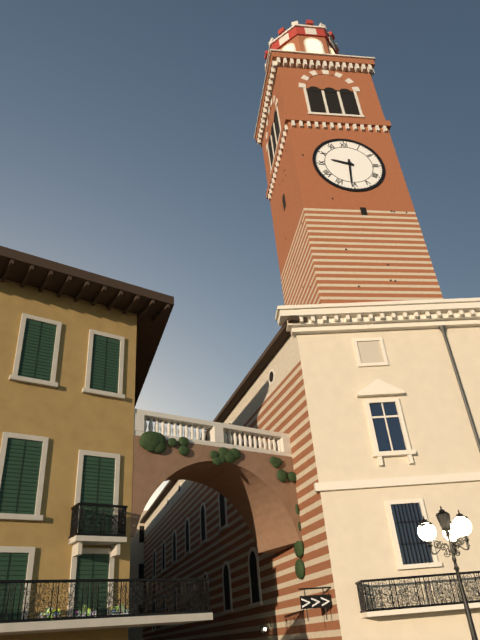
9:31
